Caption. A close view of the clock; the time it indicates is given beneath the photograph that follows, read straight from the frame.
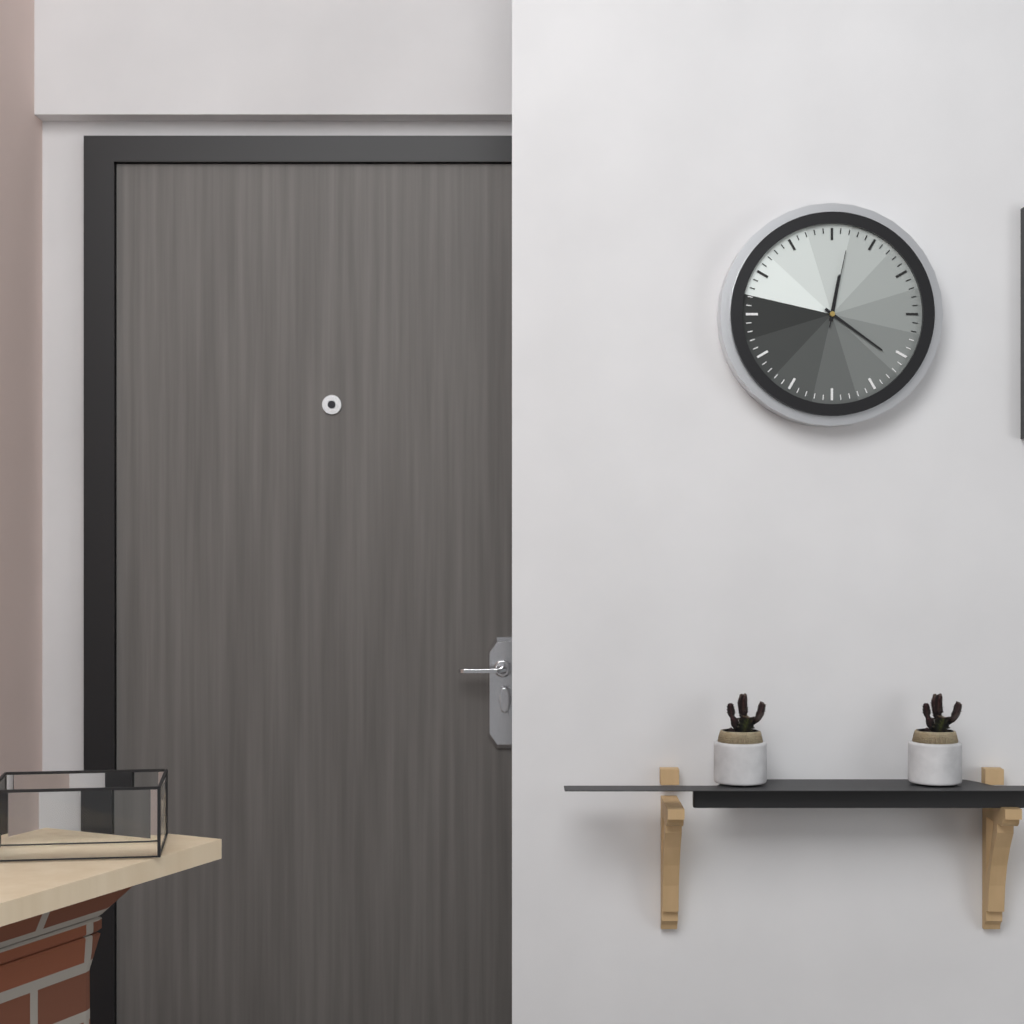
12:21:02
